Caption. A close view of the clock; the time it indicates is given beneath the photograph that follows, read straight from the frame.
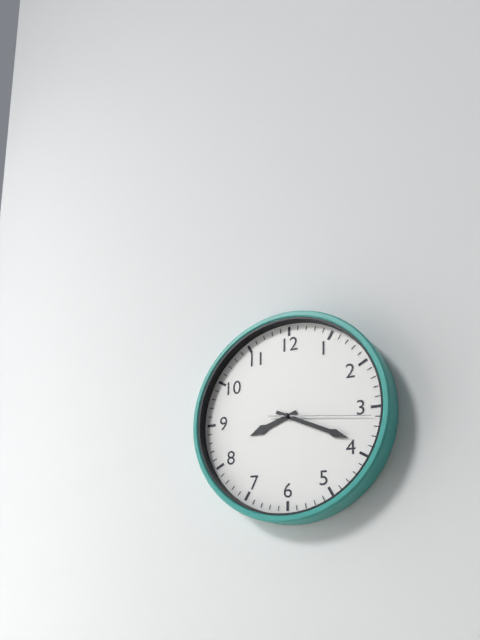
8:19:16
